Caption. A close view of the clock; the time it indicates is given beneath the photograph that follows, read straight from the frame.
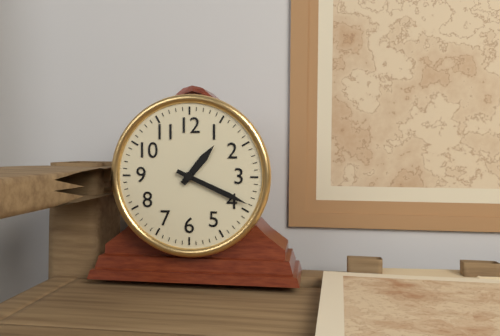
1:19
